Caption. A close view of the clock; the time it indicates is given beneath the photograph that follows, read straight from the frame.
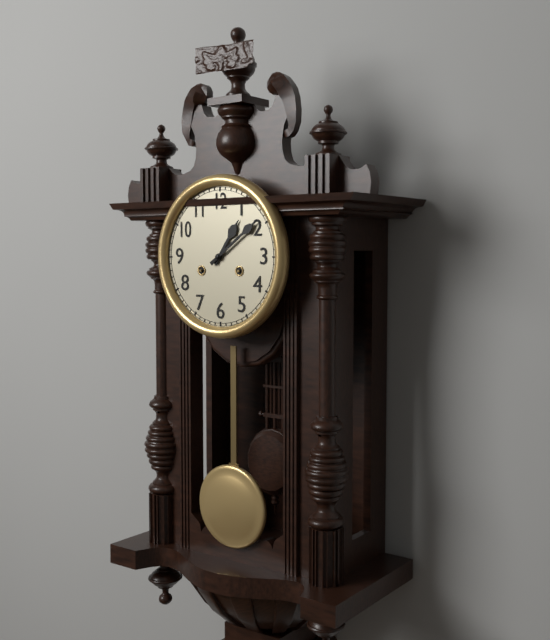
1:09
